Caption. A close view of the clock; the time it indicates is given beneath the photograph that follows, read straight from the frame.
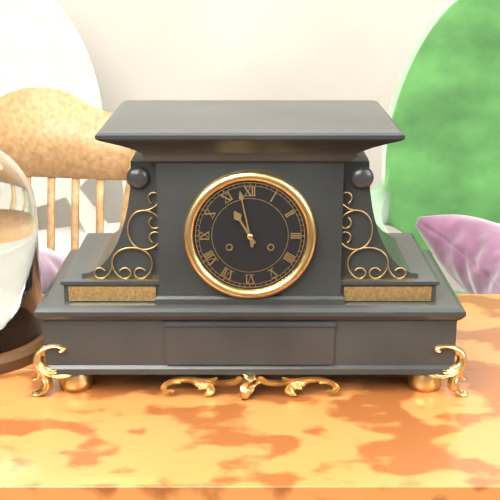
10:58
